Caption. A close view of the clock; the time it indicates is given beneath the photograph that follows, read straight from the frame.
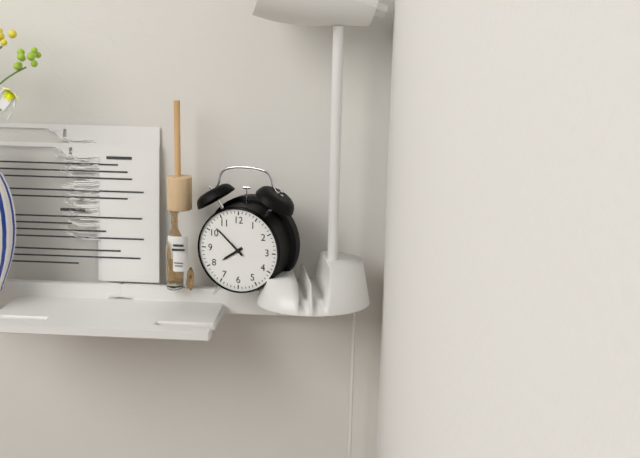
7:52
